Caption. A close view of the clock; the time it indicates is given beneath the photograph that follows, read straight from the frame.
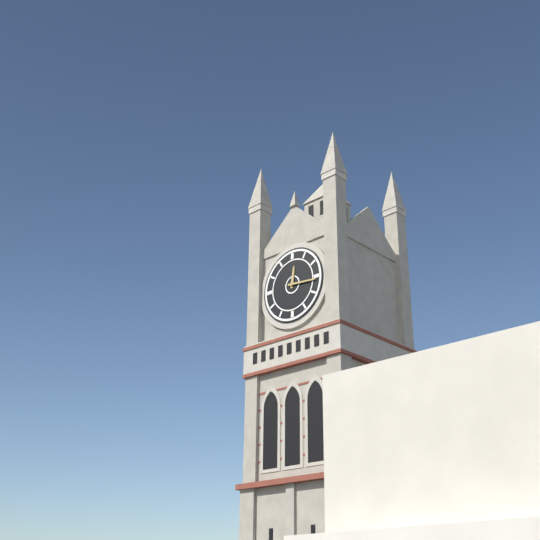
12:16
